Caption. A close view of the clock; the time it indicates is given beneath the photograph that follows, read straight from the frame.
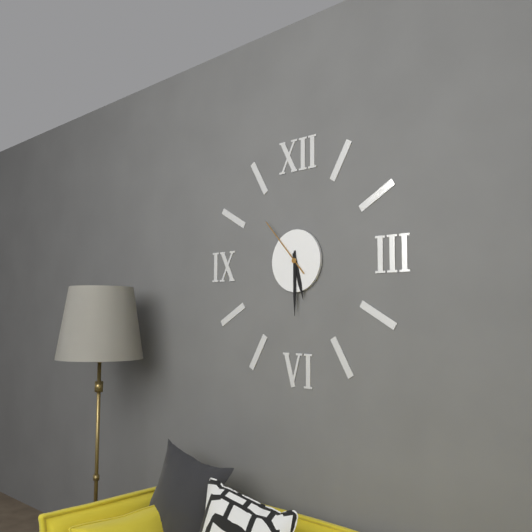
5:30:53
